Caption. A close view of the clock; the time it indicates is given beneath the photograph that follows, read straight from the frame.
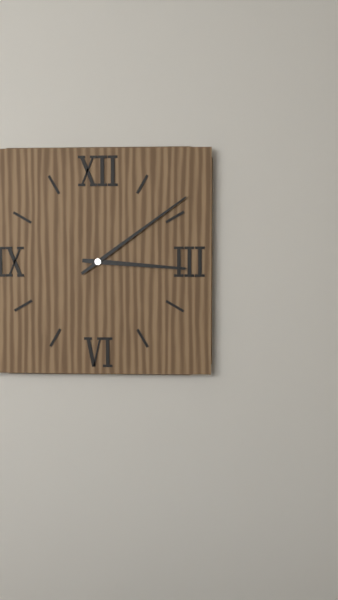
3:09
